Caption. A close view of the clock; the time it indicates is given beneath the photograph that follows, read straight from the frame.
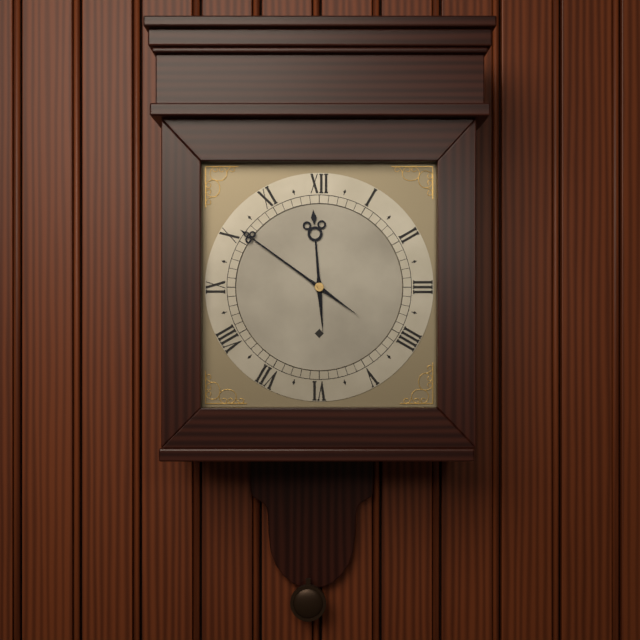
11:51
